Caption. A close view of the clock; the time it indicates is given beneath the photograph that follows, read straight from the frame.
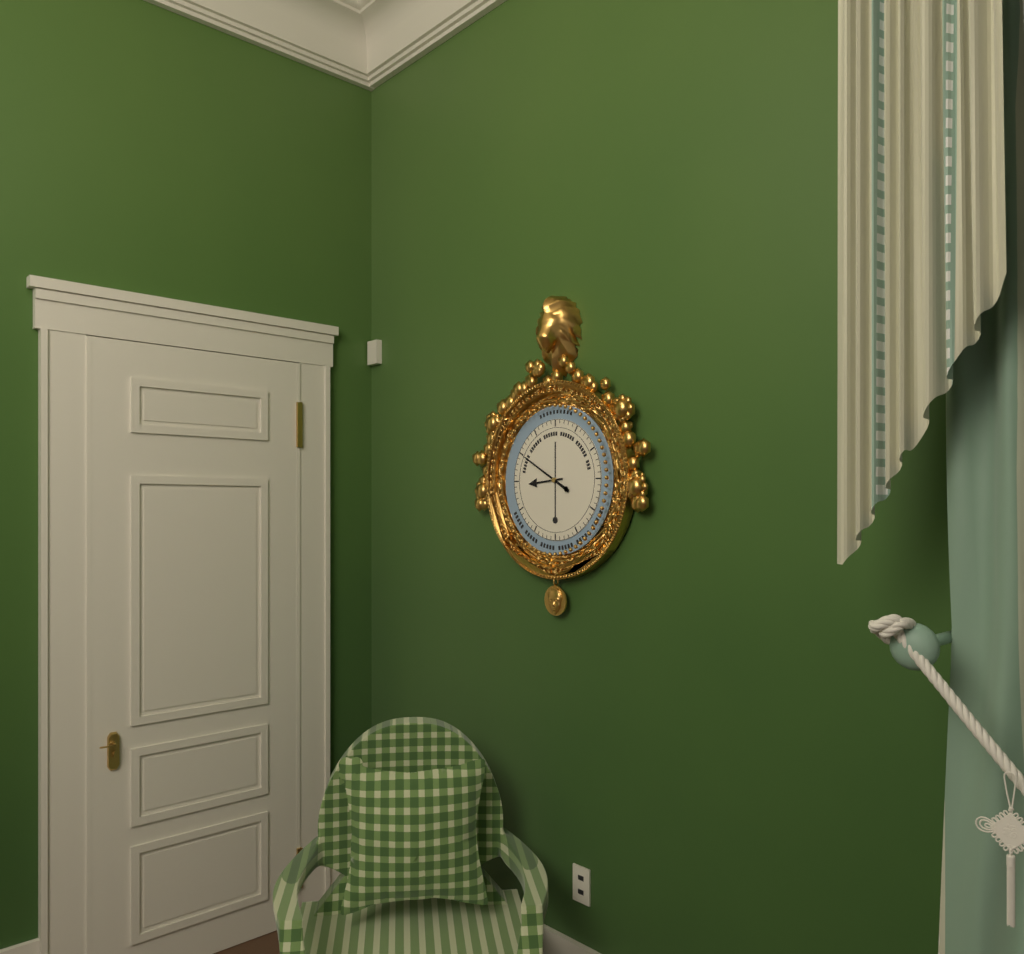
8:50
